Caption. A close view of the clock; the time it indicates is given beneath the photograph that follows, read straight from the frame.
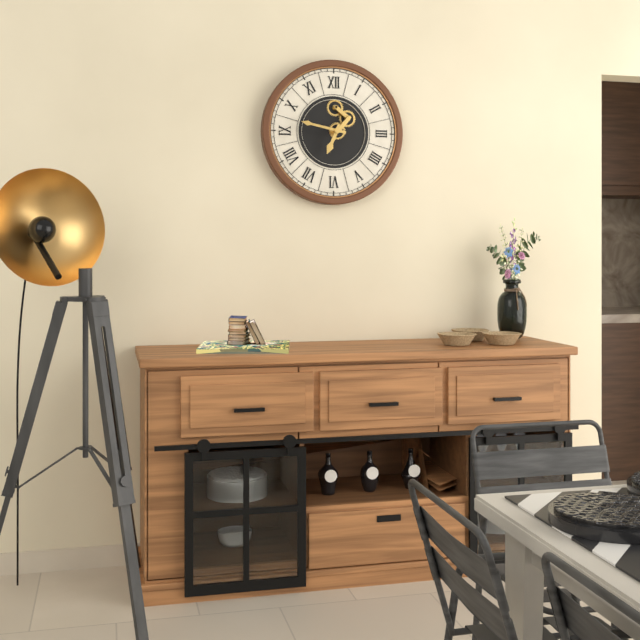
6:47
